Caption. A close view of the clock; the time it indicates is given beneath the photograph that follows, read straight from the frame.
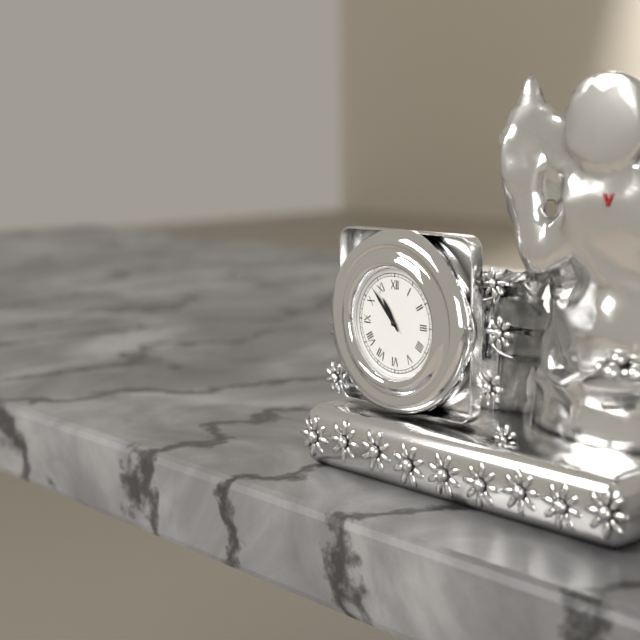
10:53
